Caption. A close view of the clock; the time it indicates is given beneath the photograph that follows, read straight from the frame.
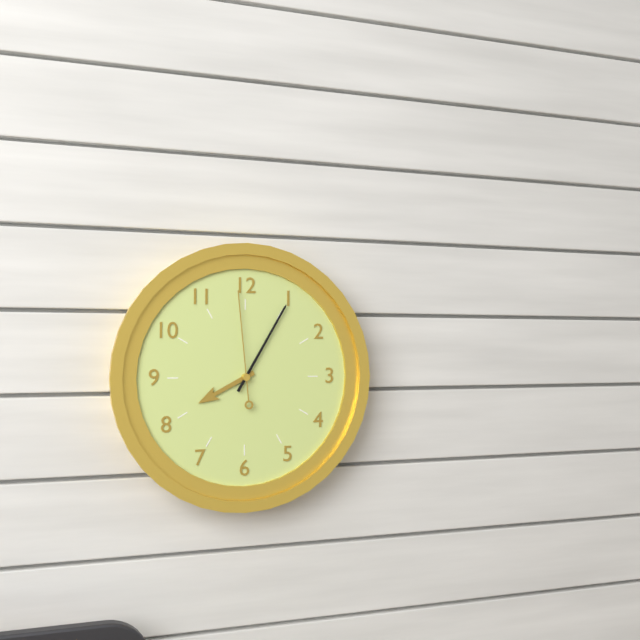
8:05:59
